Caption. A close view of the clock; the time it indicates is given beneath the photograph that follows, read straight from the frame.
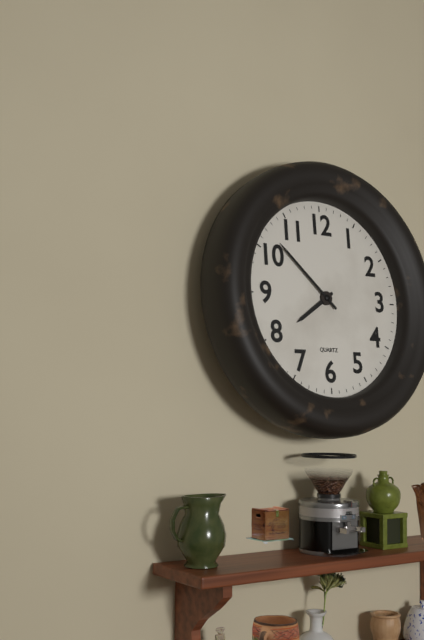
7:52
